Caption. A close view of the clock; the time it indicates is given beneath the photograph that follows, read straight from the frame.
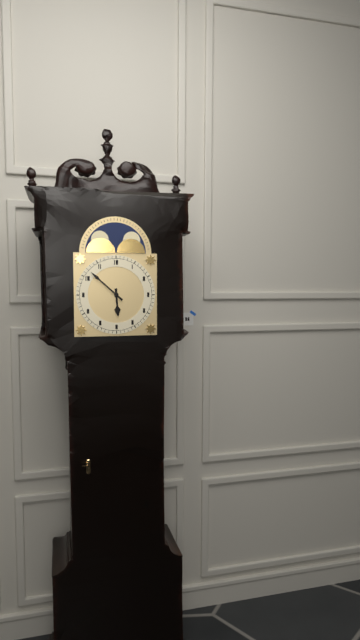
5:52
